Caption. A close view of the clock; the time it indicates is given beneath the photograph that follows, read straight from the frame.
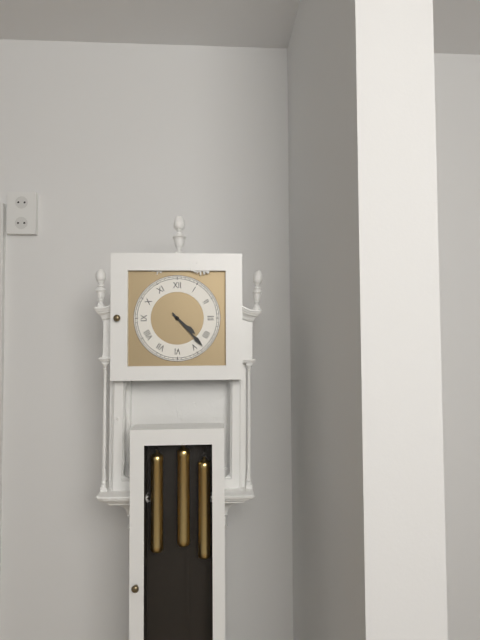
4:23
